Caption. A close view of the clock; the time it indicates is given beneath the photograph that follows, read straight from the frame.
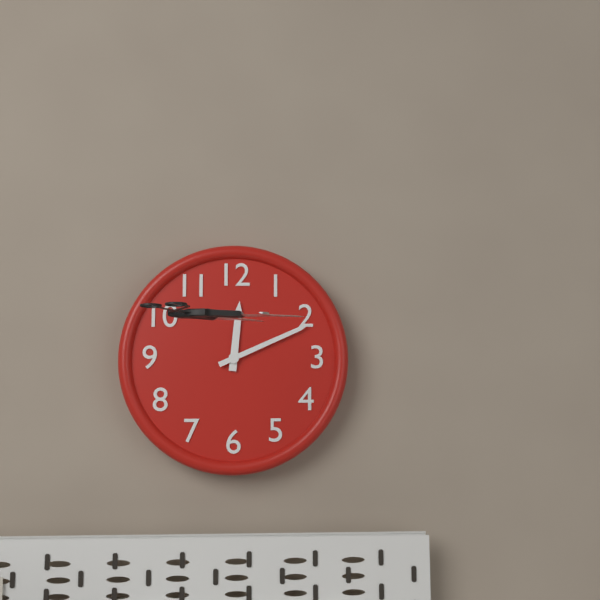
12:11
